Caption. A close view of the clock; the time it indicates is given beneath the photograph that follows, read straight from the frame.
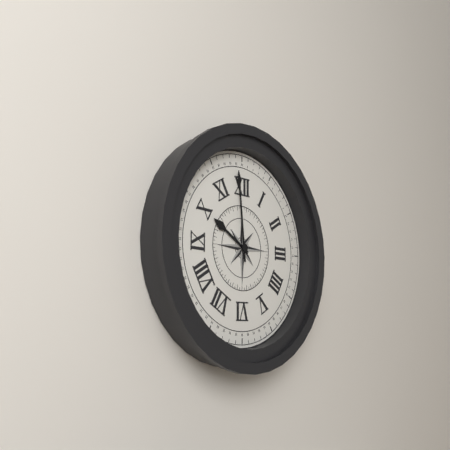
9:59
